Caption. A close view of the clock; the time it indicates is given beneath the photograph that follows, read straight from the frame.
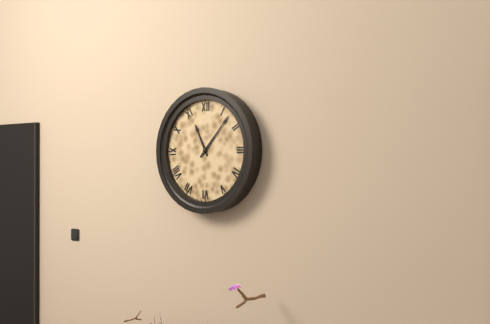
11:07
